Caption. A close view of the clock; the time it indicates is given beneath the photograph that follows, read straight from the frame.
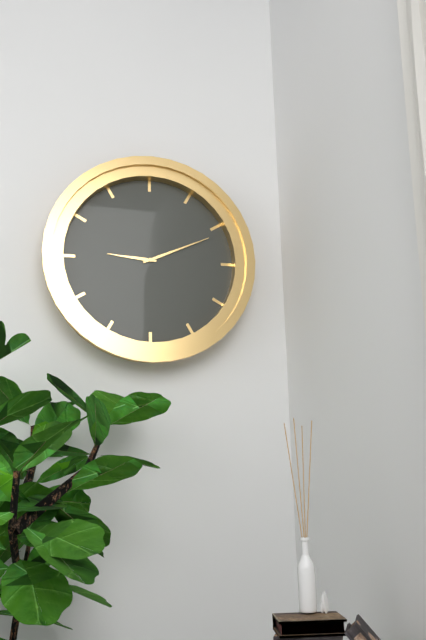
9:11
